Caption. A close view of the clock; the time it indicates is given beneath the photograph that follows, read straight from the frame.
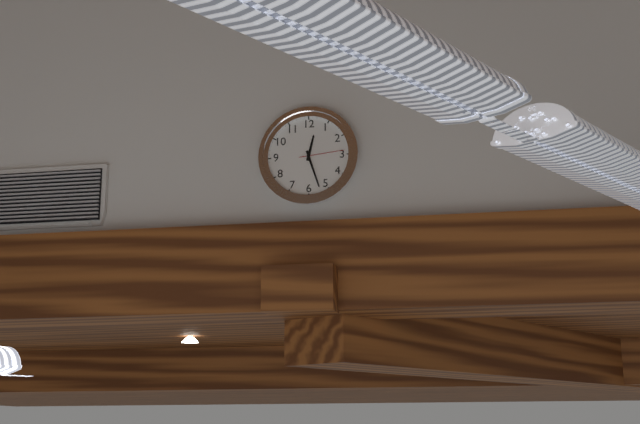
12:27
